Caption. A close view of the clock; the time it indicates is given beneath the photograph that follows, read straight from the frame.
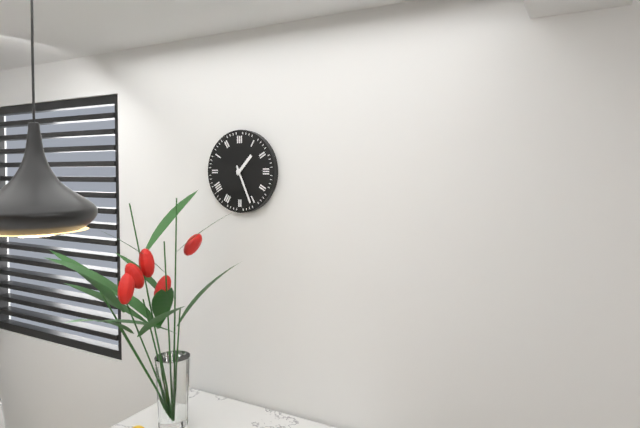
1:26
